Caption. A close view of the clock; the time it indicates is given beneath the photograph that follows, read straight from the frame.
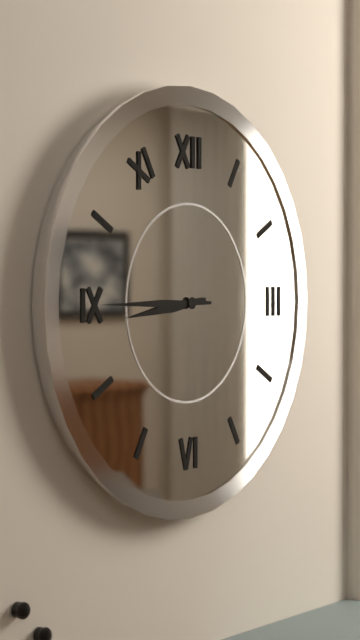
8:45
